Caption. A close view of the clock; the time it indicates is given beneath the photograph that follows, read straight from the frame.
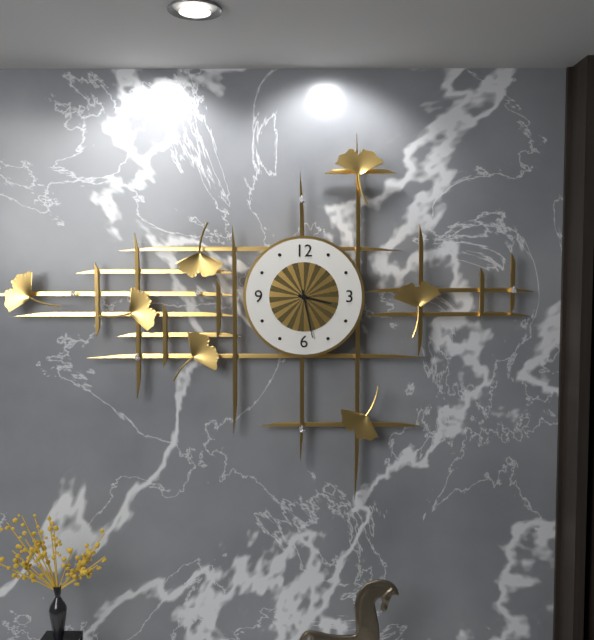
3:28
